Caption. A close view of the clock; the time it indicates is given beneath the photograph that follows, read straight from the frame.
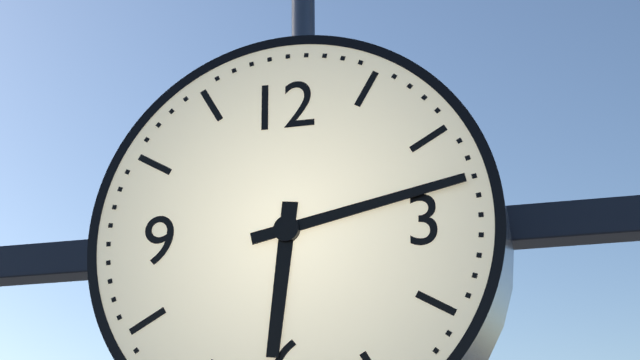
6:13
